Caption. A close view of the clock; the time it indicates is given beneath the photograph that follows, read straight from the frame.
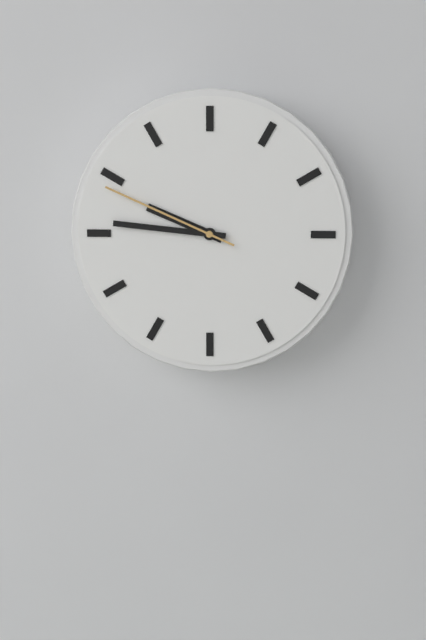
9:46:49
